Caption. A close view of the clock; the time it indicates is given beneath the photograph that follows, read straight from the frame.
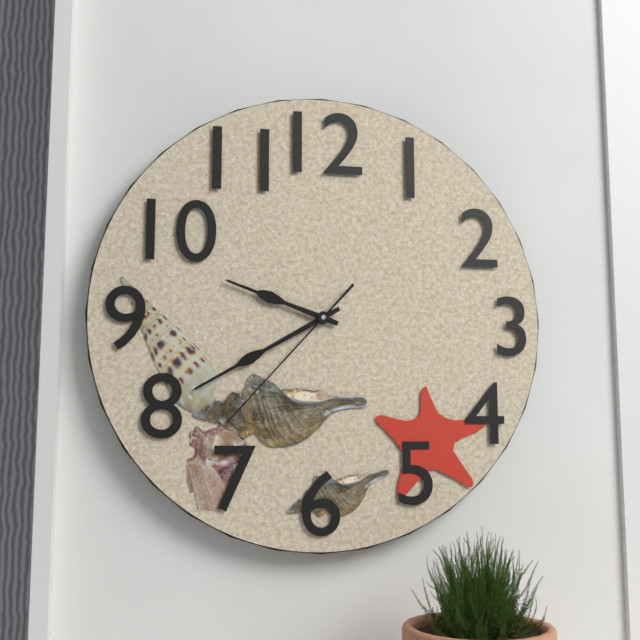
9:40:37
